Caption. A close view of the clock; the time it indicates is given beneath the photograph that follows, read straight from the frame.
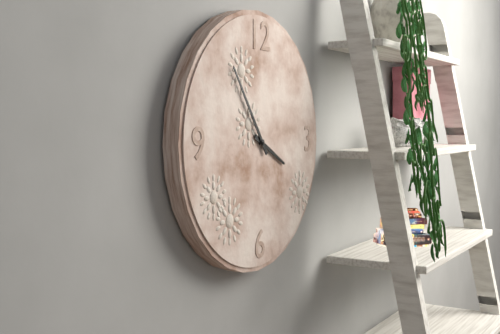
3:54
